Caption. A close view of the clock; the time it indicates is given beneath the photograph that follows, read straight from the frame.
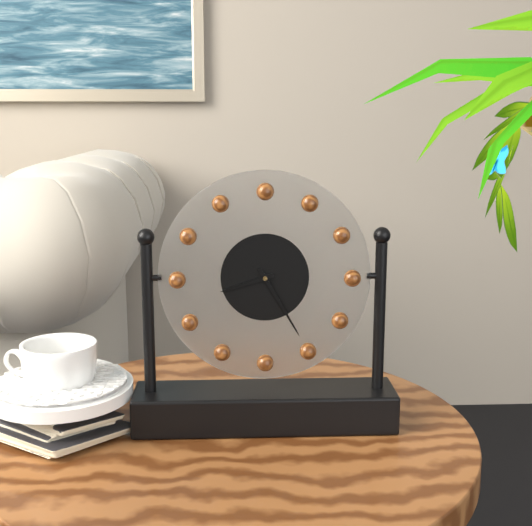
8:25
